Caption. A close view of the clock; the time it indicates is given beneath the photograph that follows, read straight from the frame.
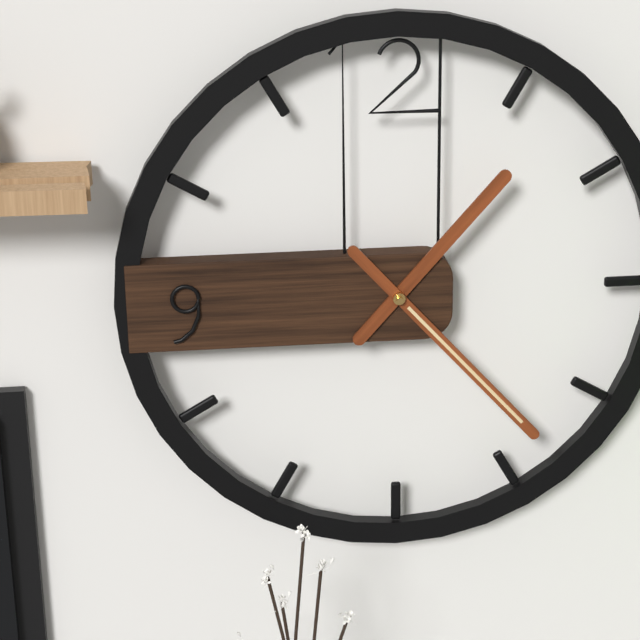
1:23
